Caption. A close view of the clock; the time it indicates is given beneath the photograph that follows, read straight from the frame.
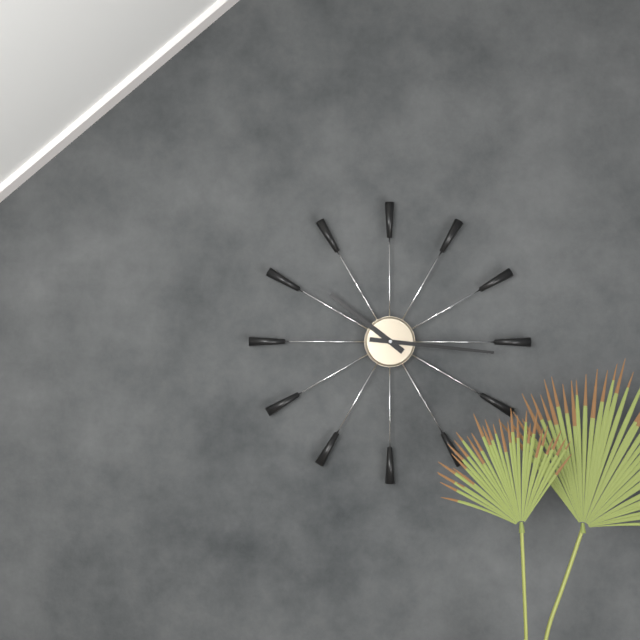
10:16
